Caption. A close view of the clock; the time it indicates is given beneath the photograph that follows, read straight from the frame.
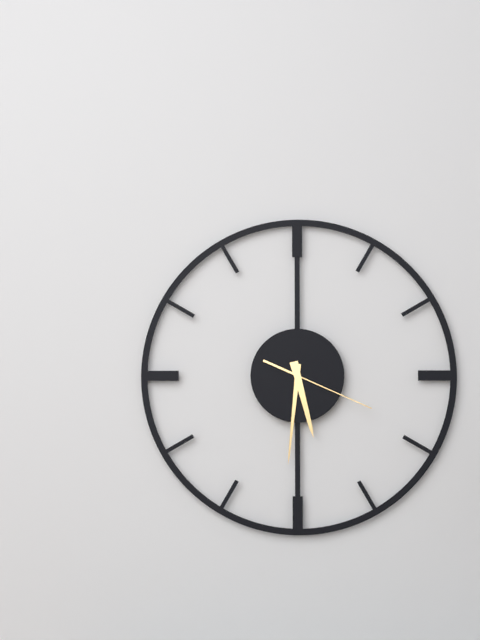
5:31:19
